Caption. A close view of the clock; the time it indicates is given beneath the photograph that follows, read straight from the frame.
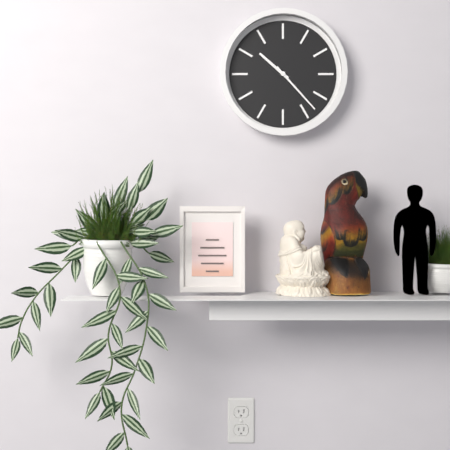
10:23
